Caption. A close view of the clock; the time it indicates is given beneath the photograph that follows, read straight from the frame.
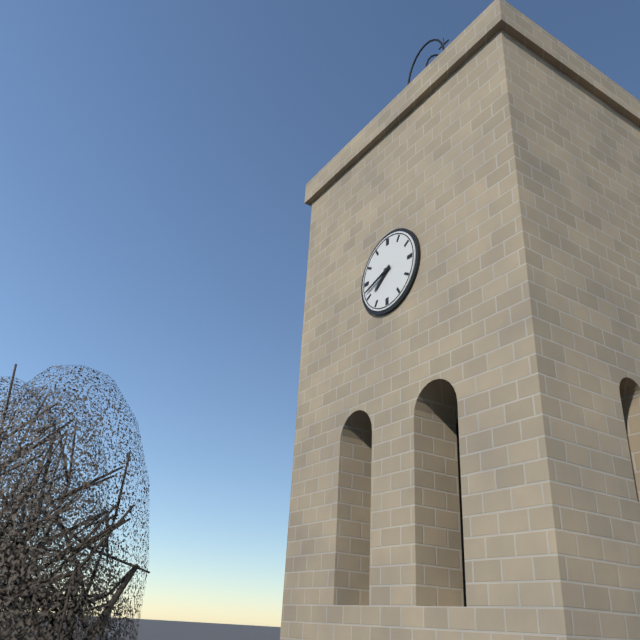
7:42
